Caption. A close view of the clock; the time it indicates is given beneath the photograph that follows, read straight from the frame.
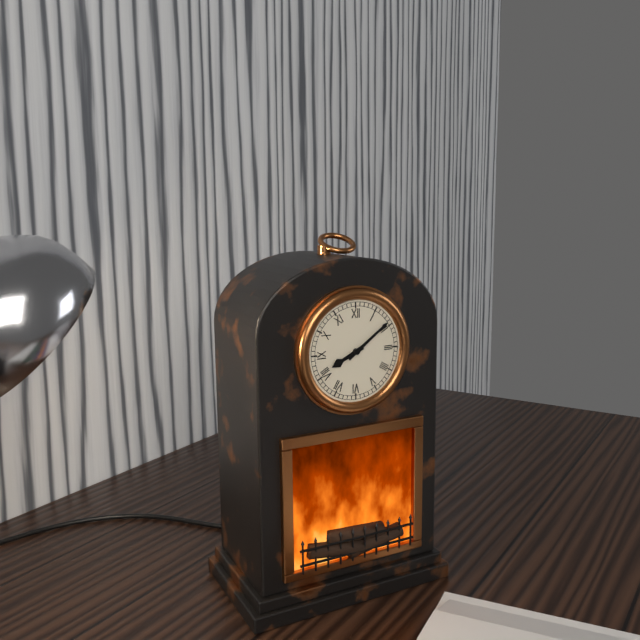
8:09
